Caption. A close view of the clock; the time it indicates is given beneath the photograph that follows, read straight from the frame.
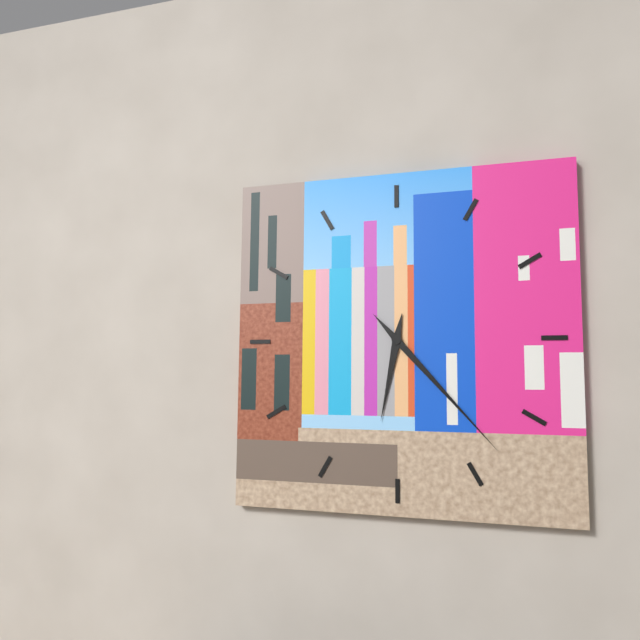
6:23
